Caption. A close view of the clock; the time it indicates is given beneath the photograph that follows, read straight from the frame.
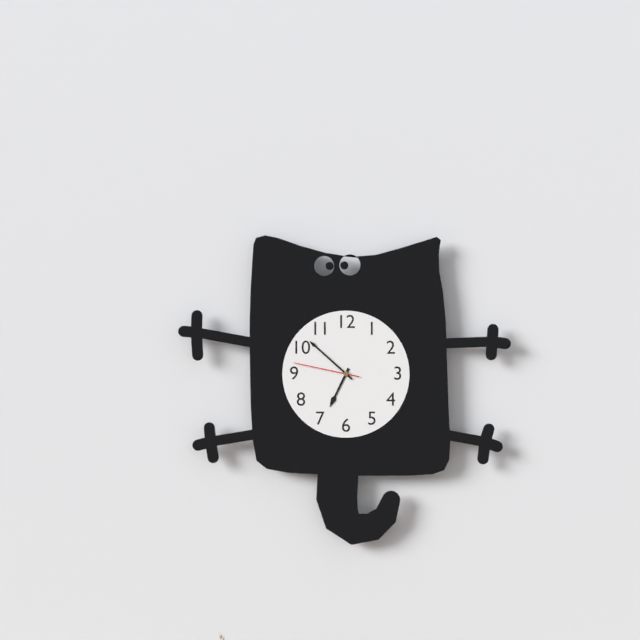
6:52:47
